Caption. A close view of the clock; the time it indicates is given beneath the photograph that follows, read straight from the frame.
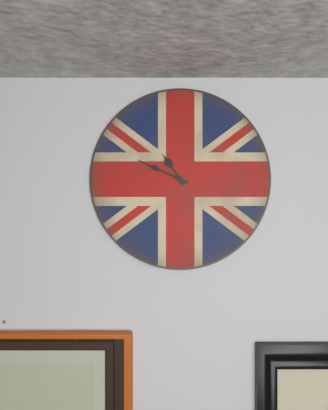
10:49
